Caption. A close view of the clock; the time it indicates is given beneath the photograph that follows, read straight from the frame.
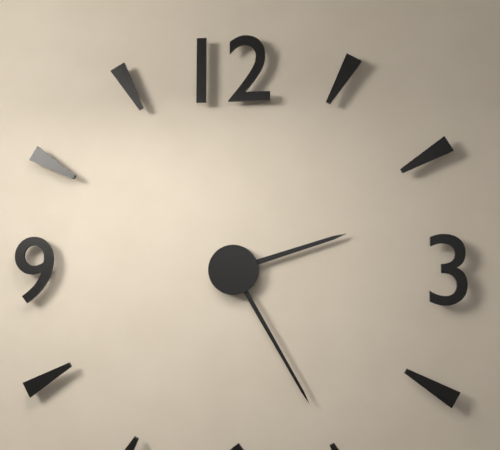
2:25
